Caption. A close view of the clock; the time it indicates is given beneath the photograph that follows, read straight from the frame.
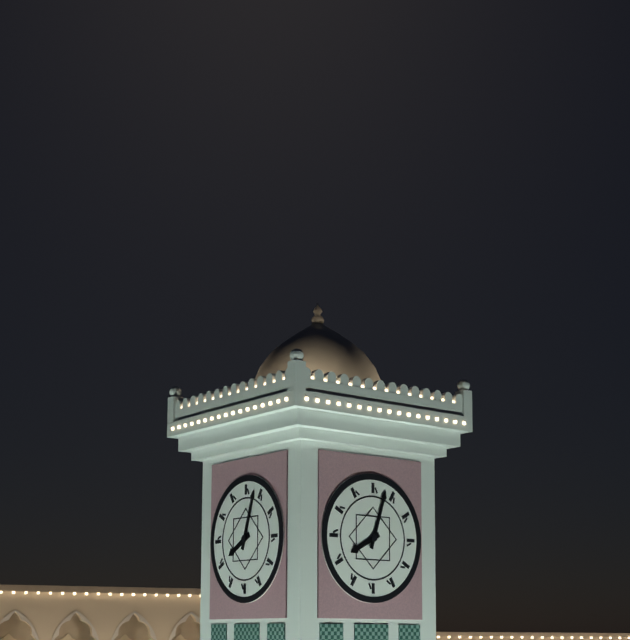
8:03
